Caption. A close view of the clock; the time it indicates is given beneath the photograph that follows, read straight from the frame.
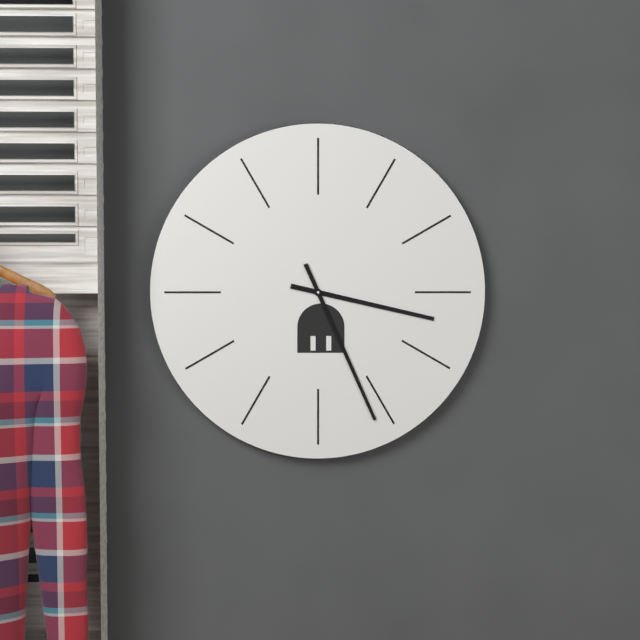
3:26
